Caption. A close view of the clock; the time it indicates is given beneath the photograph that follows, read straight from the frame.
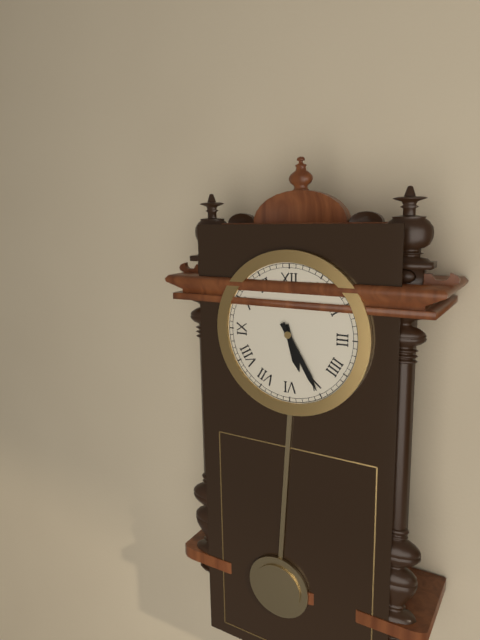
5:25
